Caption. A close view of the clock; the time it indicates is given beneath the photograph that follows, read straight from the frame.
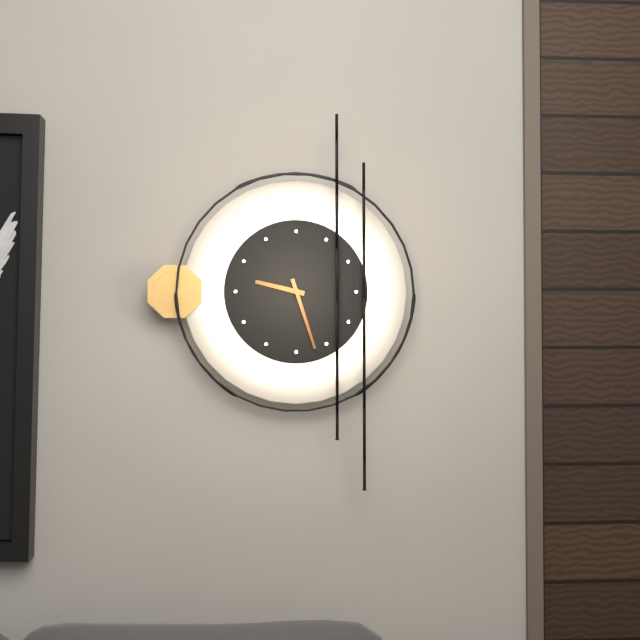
9:27
